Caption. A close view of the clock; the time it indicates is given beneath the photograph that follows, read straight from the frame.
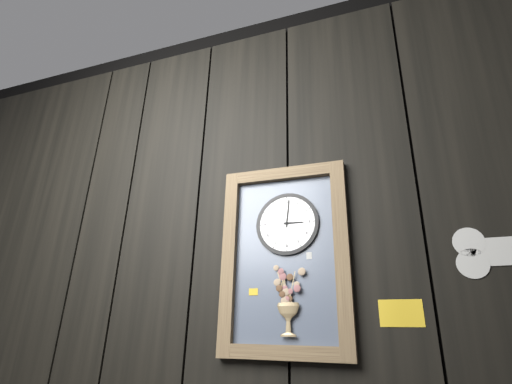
3:01
